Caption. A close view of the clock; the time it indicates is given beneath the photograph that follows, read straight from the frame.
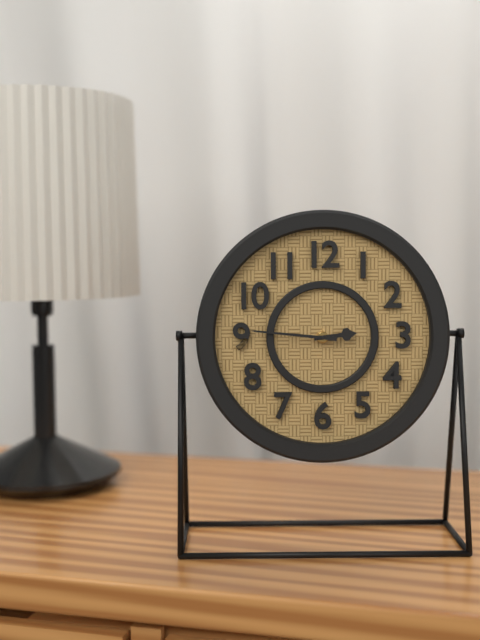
2:46
